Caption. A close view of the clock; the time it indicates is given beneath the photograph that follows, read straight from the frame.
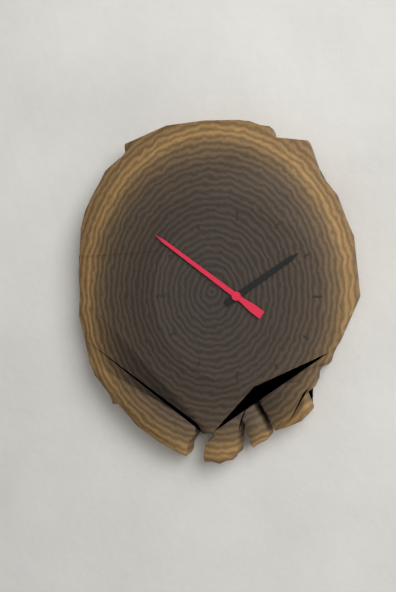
1:51
